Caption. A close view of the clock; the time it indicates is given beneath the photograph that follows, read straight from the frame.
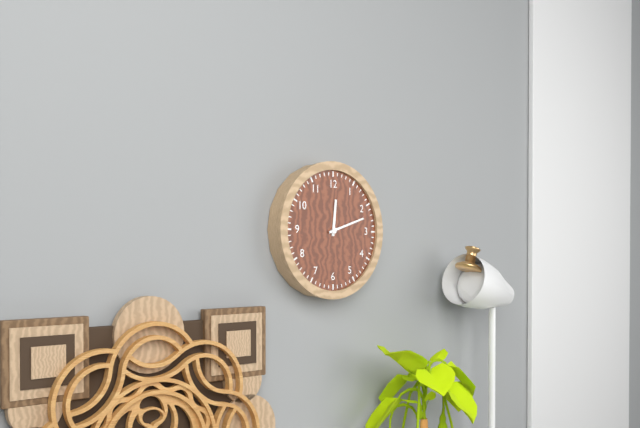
12:12
